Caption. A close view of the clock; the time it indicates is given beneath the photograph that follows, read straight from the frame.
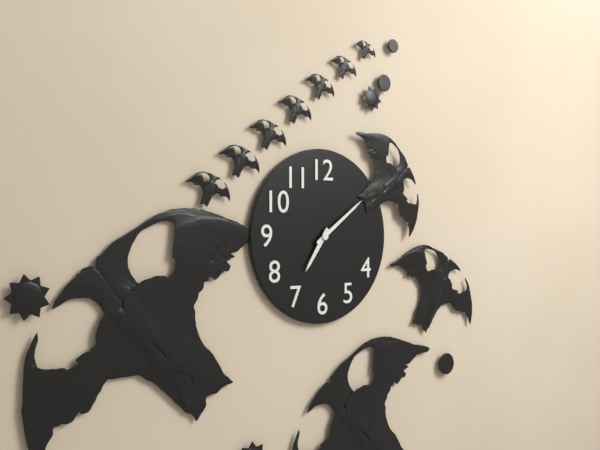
7:09
